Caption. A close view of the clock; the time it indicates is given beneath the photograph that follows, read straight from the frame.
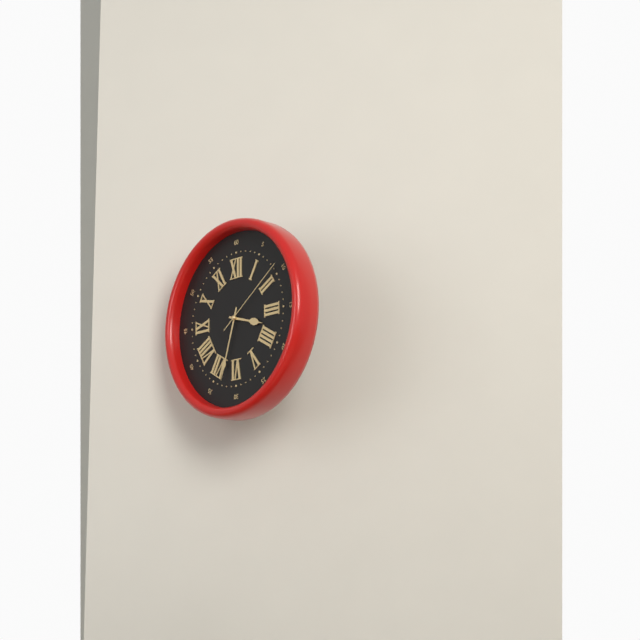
3:33:09
